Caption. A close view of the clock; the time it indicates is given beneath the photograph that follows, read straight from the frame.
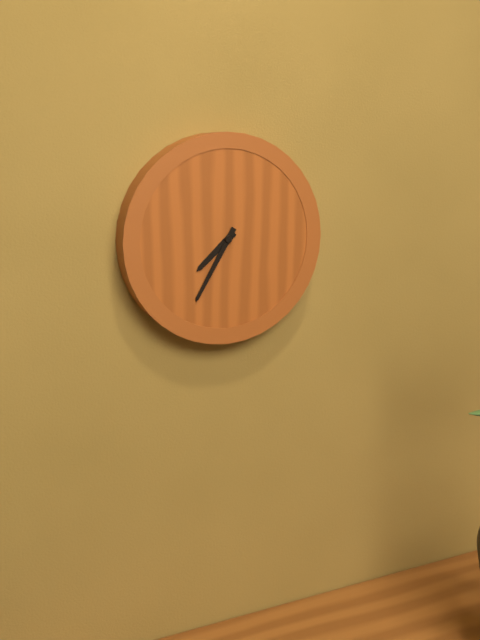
7:35
